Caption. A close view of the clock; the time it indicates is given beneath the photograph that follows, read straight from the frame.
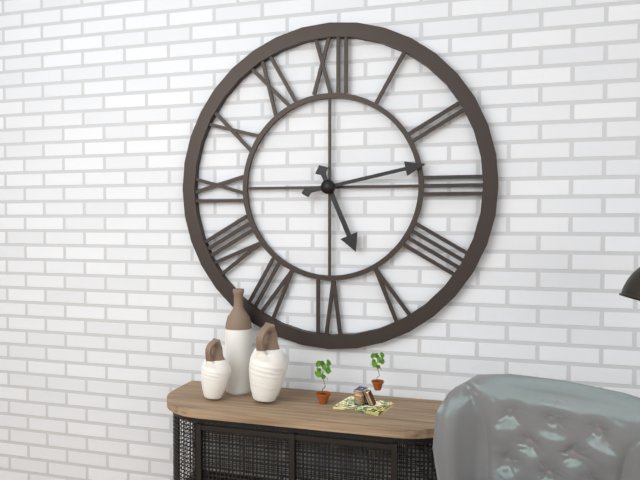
5:13
